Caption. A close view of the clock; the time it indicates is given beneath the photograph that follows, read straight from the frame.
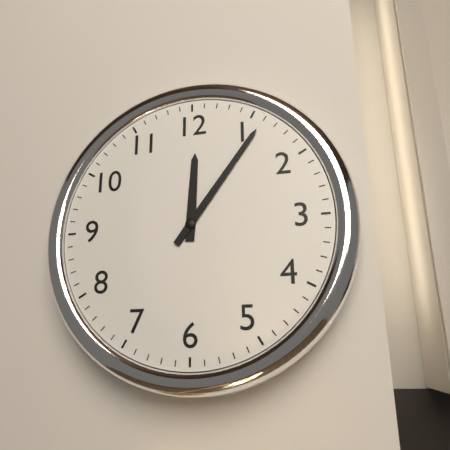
12:06
